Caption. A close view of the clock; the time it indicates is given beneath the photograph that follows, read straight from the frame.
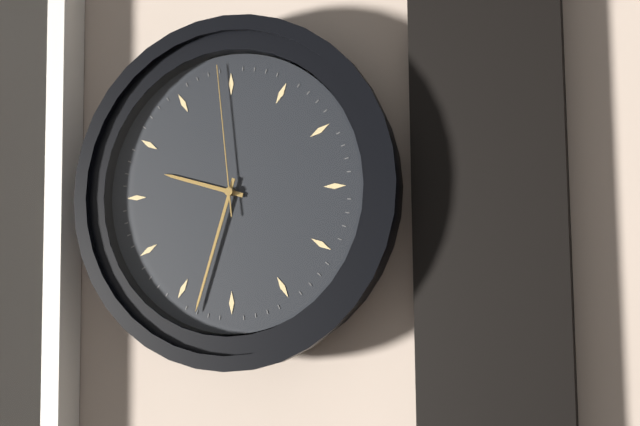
9:33:59
